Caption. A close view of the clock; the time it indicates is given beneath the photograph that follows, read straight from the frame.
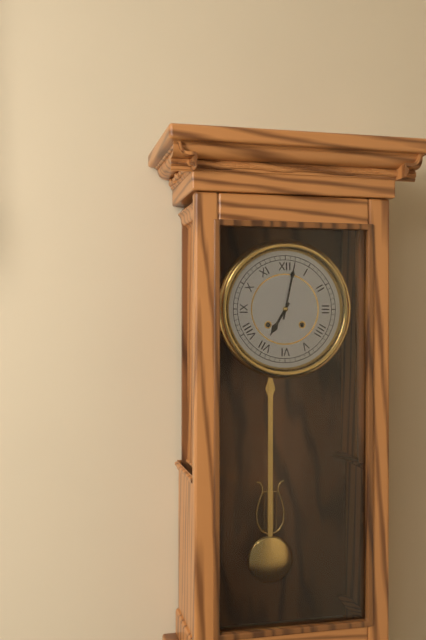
7:02
